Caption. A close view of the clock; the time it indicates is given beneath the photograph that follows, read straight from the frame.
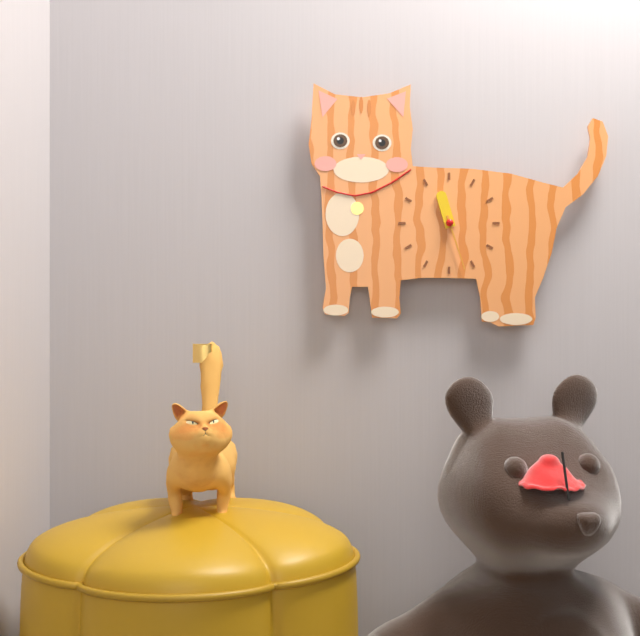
11:27
